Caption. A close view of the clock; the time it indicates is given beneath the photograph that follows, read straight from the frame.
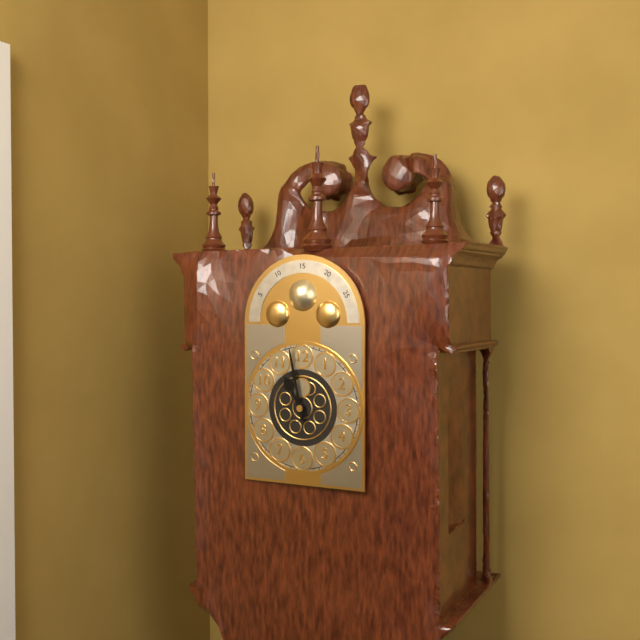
10:58
